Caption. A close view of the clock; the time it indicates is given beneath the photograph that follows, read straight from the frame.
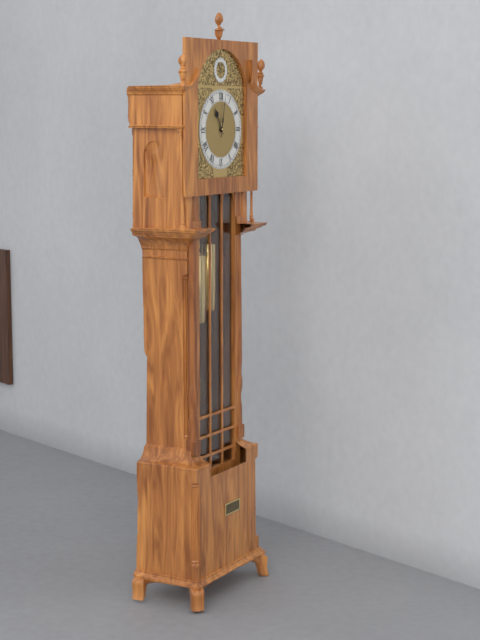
11:02
